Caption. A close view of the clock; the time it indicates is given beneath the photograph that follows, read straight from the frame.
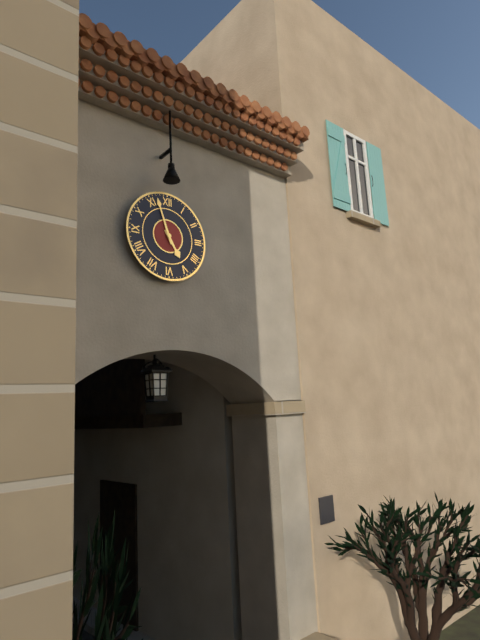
4:57
